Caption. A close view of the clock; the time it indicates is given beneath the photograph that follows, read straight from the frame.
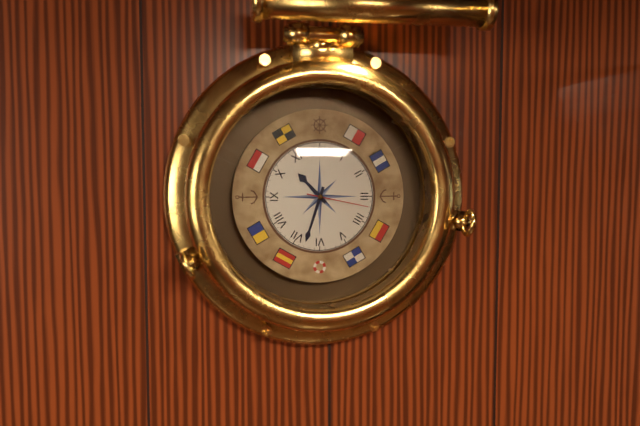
10:33:17
